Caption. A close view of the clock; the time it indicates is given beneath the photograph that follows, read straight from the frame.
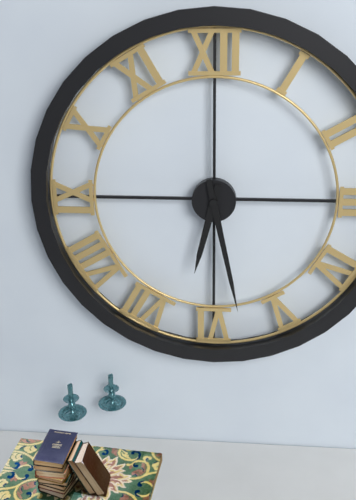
6:28
